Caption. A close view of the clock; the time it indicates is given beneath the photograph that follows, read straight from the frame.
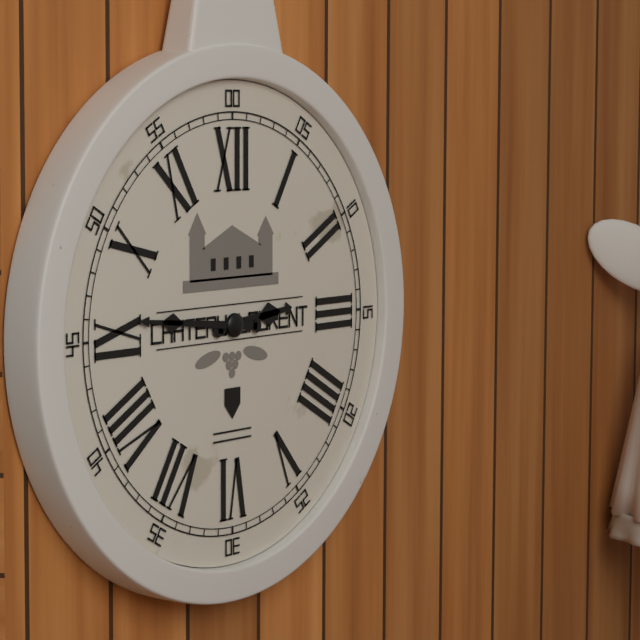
2:46
